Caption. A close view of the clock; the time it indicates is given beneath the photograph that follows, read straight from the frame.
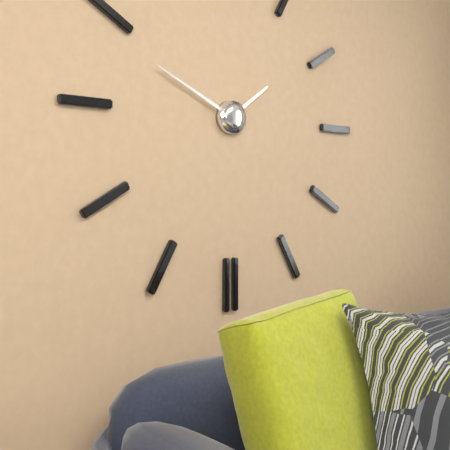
1:49
